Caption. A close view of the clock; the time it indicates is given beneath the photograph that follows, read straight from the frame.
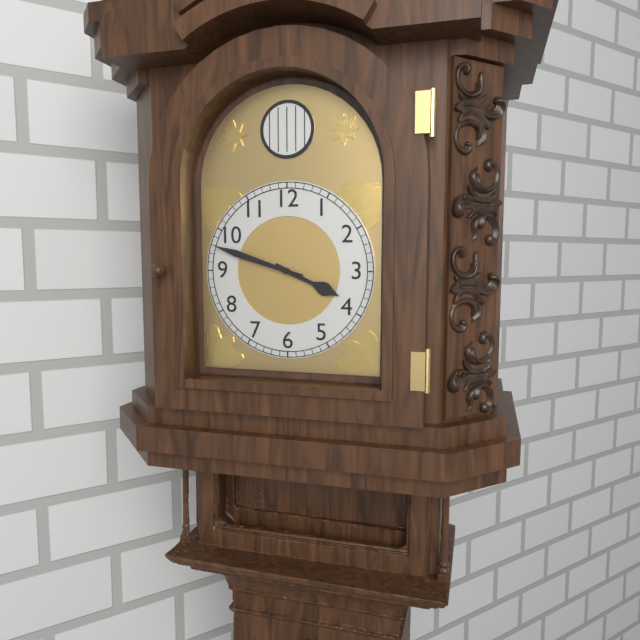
3:48
